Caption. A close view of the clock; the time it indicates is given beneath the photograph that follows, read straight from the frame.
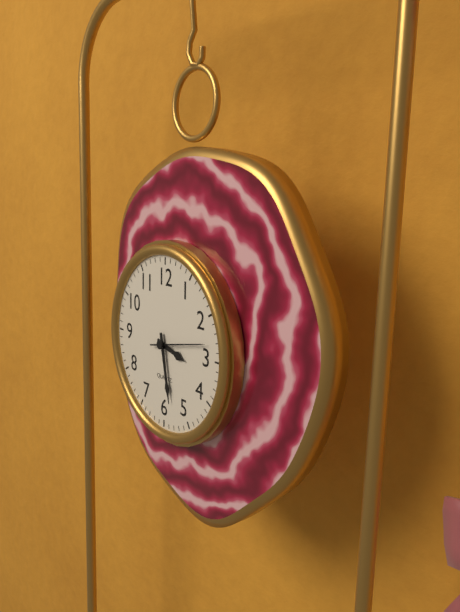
3:28:13
